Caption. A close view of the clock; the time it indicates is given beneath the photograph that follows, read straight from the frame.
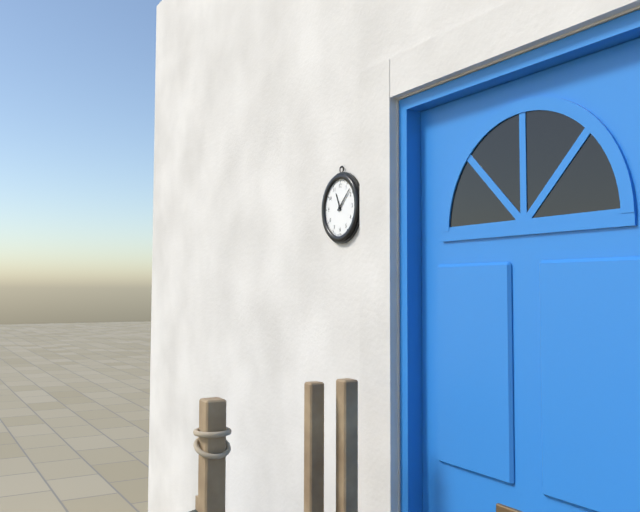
11:08
